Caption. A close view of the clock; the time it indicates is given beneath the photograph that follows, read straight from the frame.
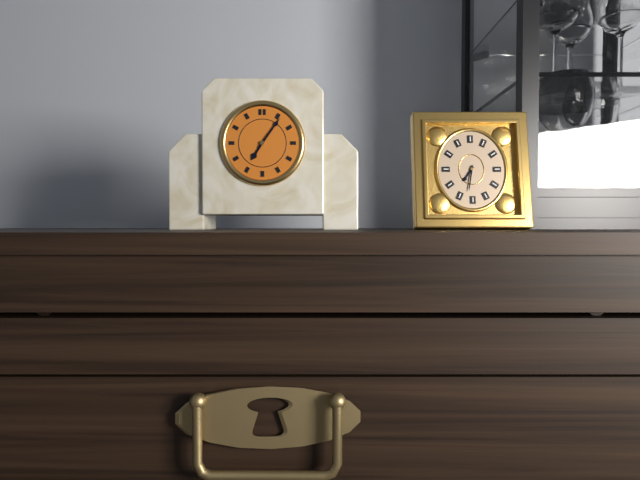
7:06
